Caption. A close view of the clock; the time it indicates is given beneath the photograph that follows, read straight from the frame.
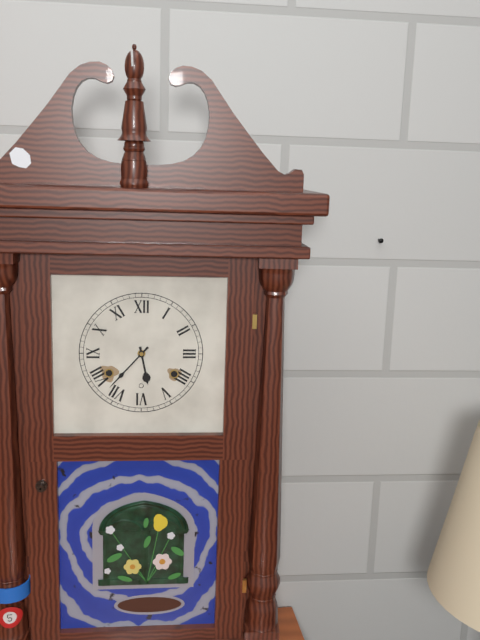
5:37
